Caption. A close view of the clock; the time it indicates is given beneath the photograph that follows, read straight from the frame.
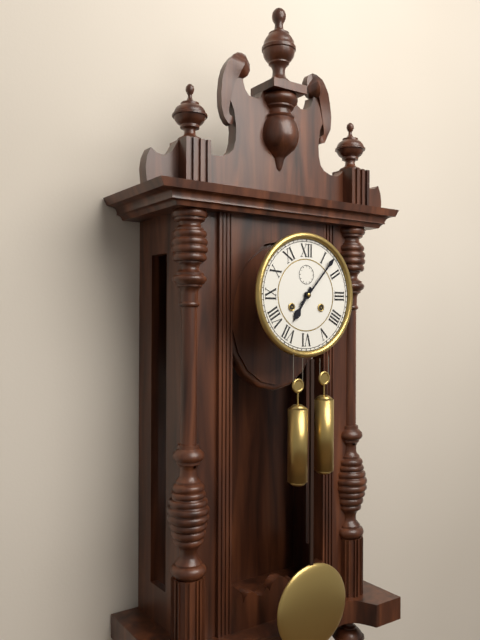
7:07
